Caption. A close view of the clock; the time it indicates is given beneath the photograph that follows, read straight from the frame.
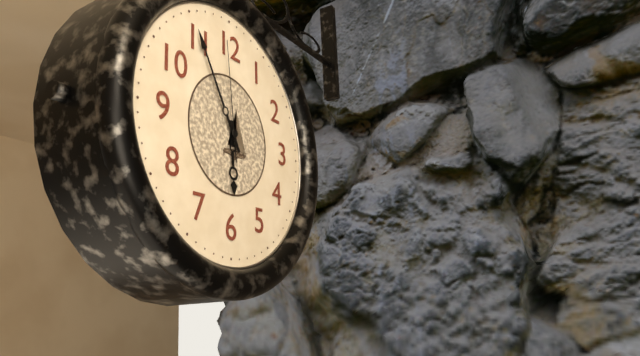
5:55:59
